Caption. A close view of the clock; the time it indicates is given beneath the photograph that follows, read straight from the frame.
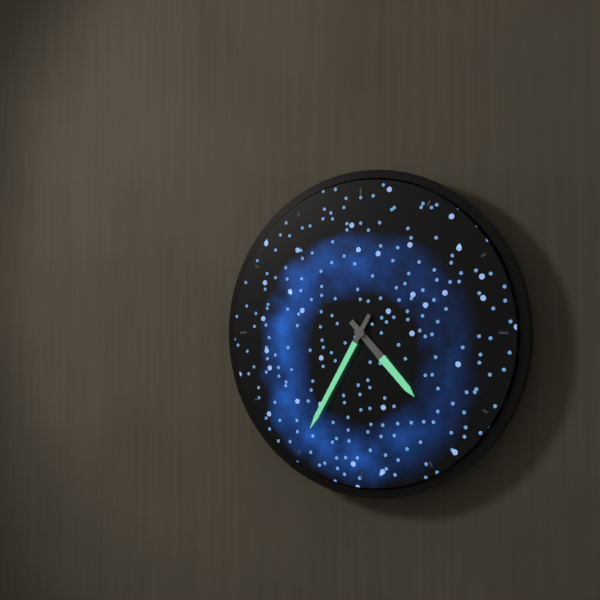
4:35
